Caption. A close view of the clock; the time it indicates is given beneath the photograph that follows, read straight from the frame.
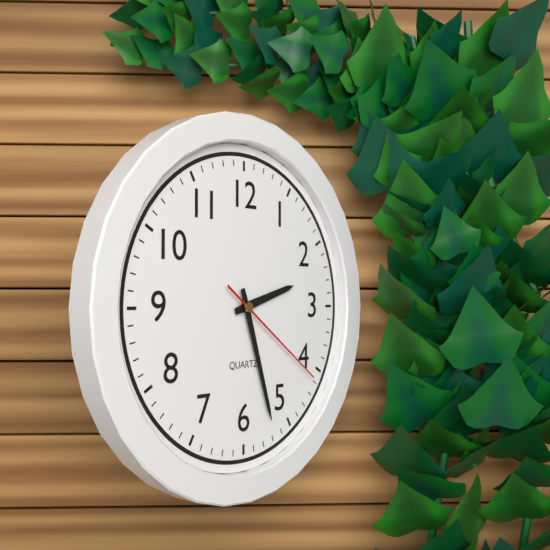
2:27:21
